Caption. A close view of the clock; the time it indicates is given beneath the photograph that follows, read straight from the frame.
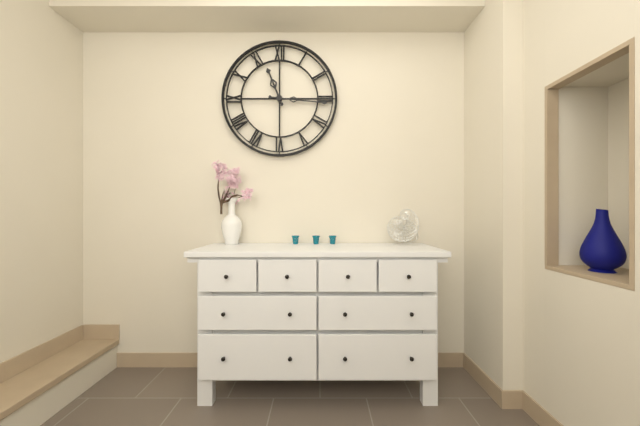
11:16
